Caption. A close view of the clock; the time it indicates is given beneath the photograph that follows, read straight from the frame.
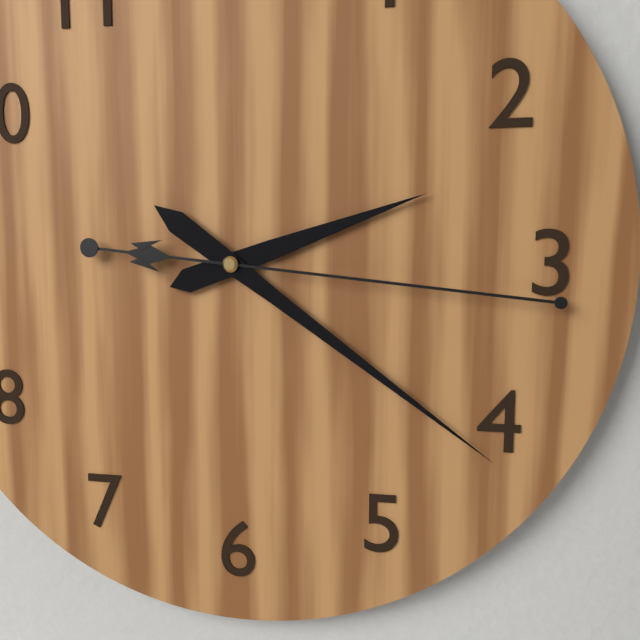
2:21:16
